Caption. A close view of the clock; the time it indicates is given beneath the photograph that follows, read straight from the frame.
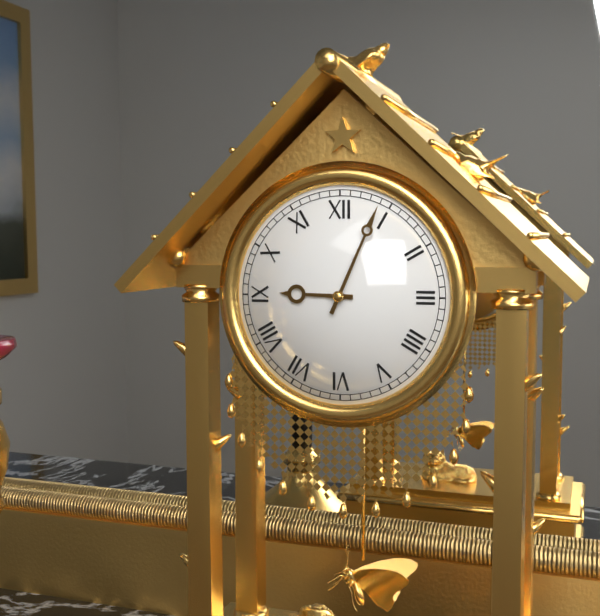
9:04
